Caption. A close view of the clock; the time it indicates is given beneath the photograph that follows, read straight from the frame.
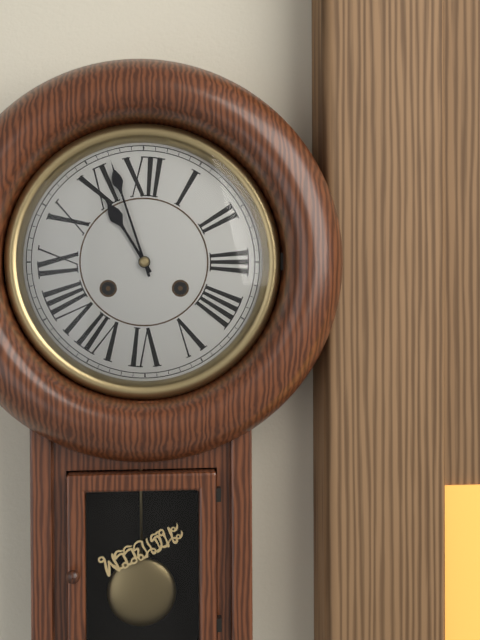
10:57
